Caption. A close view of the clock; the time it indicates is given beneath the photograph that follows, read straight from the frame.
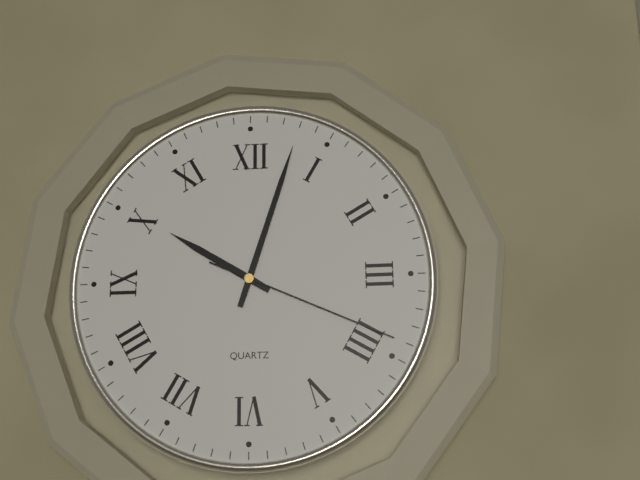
10:03:19
